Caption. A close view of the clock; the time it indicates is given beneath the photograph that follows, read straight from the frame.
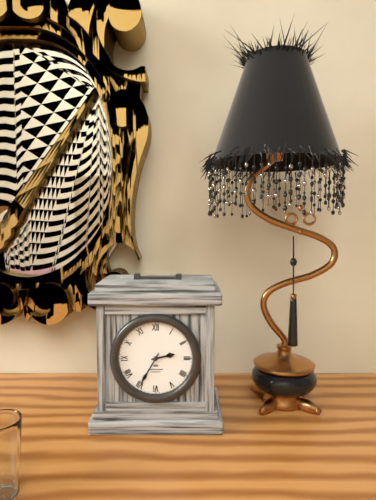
2:35
